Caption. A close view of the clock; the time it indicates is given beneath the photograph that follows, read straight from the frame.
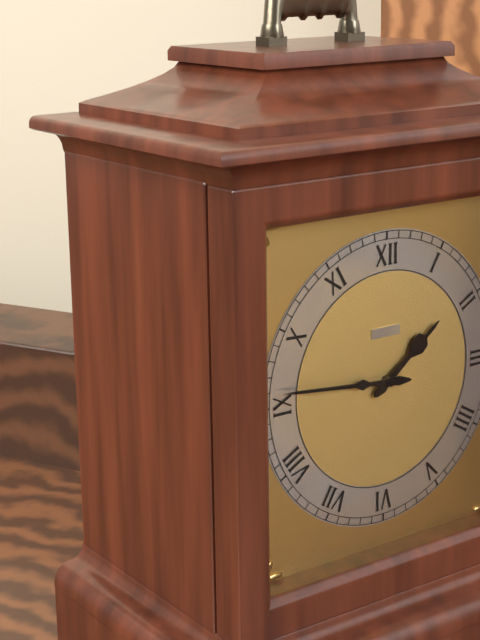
1:46
